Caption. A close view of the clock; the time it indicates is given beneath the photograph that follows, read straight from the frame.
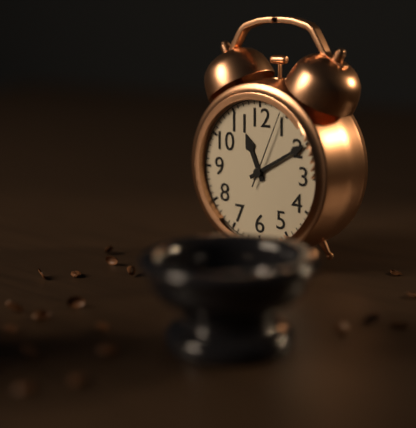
11:10:04
